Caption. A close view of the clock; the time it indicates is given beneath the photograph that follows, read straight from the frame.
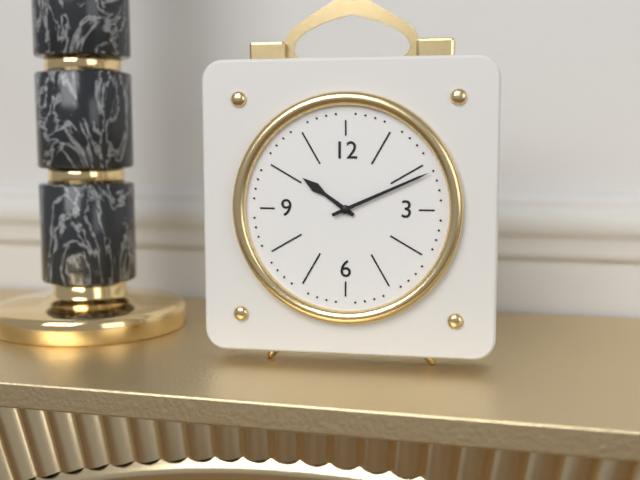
10:11
